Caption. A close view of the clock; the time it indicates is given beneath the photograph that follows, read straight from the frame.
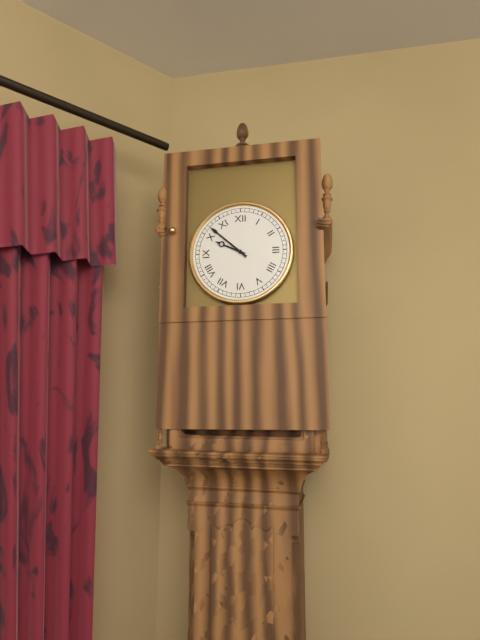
9:52
